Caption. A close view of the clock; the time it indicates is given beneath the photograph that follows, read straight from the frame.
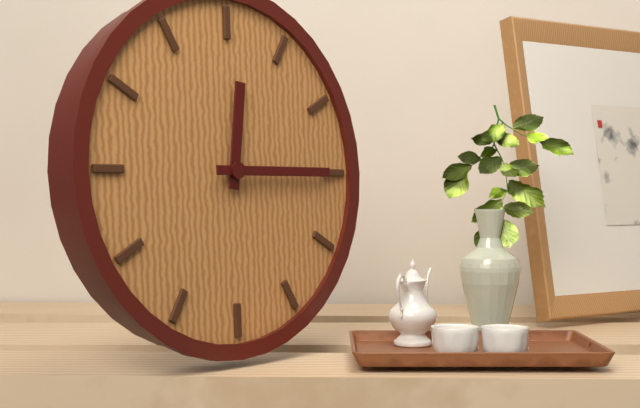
12:15
